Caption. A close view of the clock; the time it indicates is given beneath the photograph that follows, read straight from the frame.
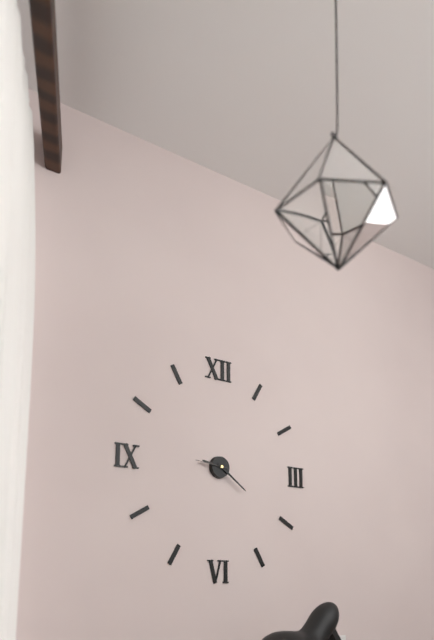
9:21
